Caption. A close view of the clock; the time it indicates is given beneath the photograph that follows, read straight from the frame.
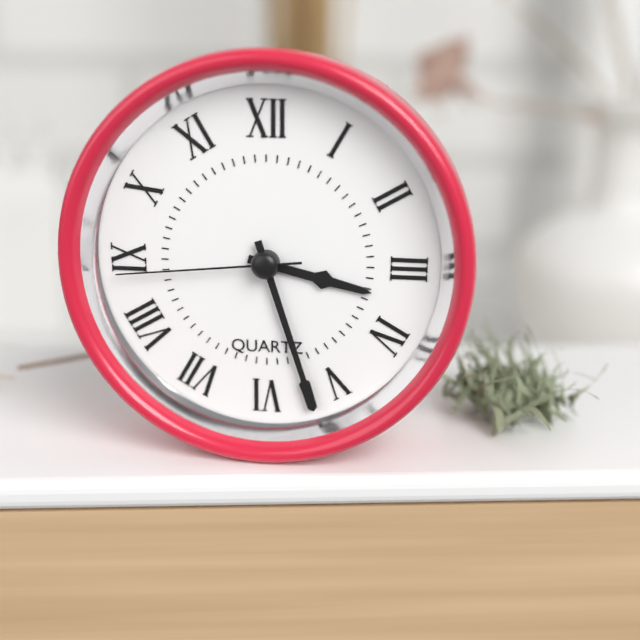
3:27:44
